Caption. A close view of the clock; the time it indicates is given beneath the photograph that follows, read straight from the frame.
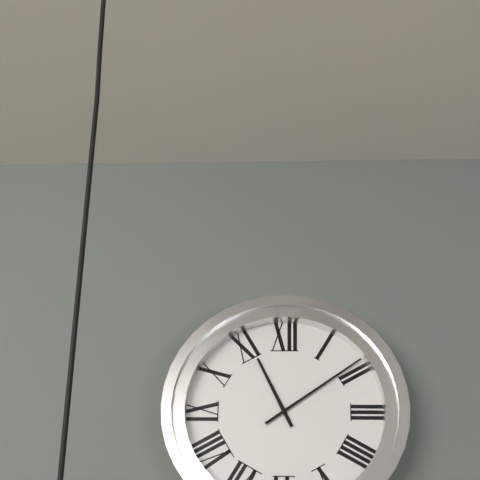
11:09
